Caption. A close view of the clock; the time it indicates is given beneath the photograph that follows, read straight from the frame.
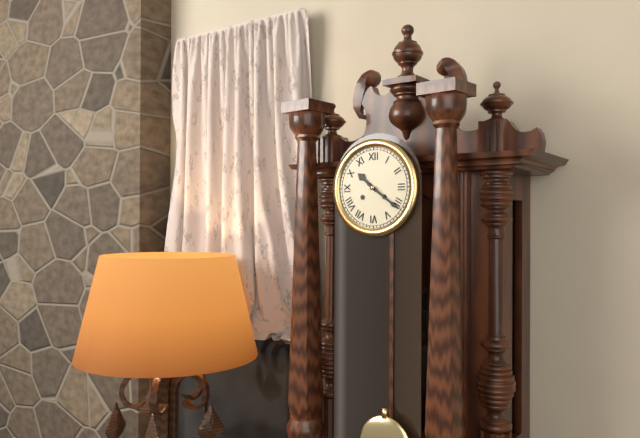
10:21
